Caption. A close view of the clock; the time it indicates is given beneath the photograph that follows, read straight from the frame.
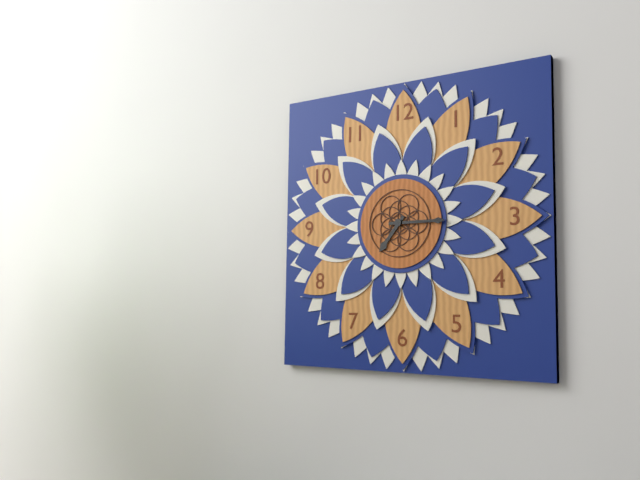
7:15
